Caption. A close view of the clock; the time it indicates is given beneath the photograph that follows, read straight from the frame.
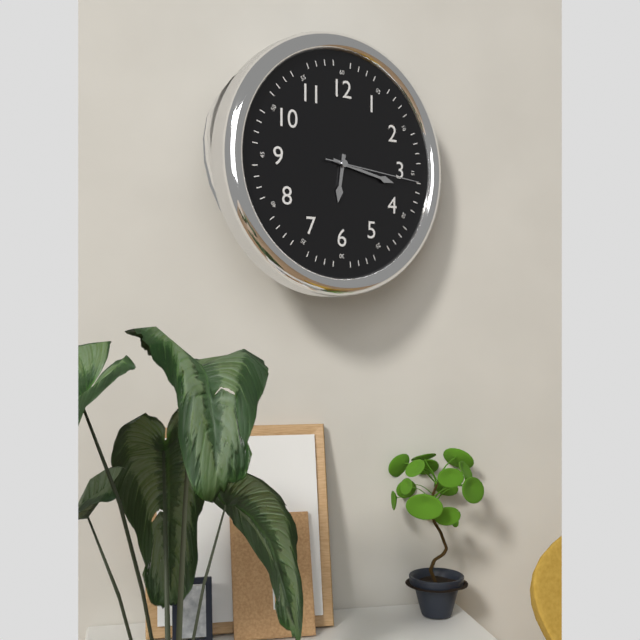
6:17:16
